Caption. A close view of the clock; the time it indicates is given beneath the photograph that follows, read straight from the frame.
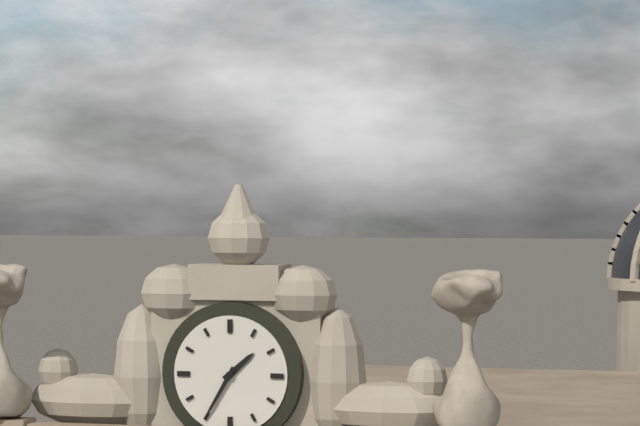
1:35
